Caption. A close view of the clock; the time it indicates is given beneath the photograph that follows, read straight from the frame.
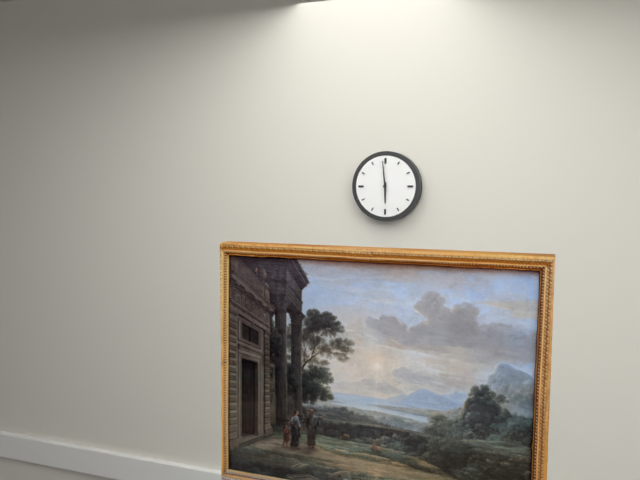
5:59
